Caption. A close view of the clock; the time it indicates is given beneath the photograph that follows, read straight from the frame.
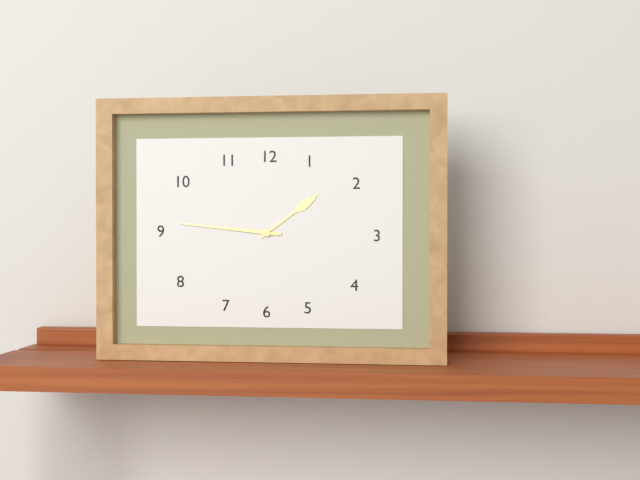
1:46
